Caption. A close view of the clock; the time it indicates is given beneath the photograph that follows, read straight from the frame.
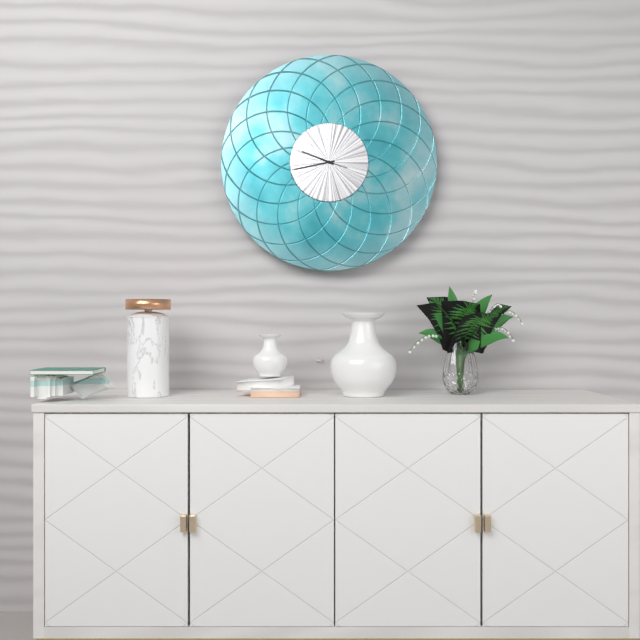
9:43
